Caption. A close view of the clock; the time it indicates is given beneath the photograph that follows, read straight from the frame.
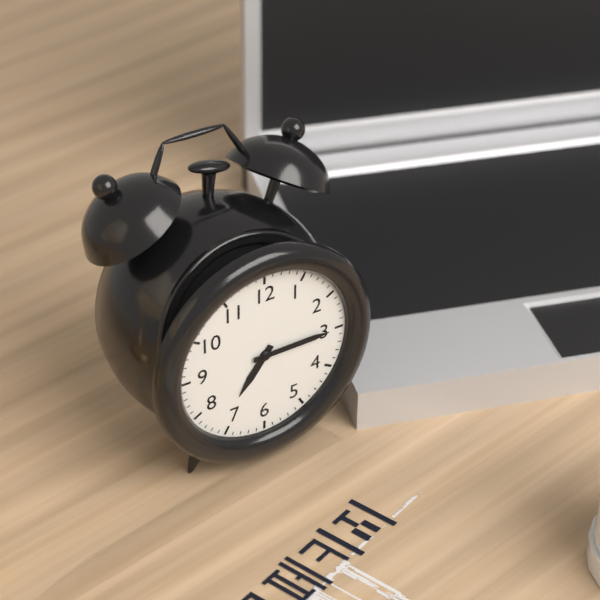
7:15
